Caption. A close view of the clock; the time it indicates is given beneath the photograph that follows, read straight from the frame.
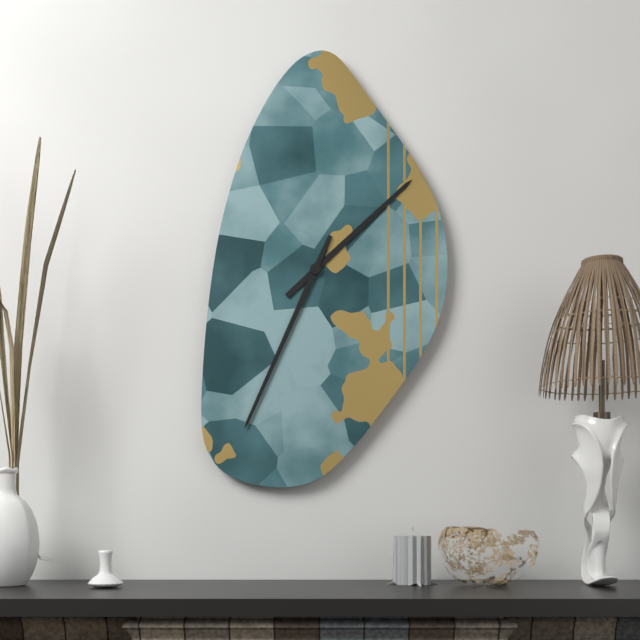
1:34
